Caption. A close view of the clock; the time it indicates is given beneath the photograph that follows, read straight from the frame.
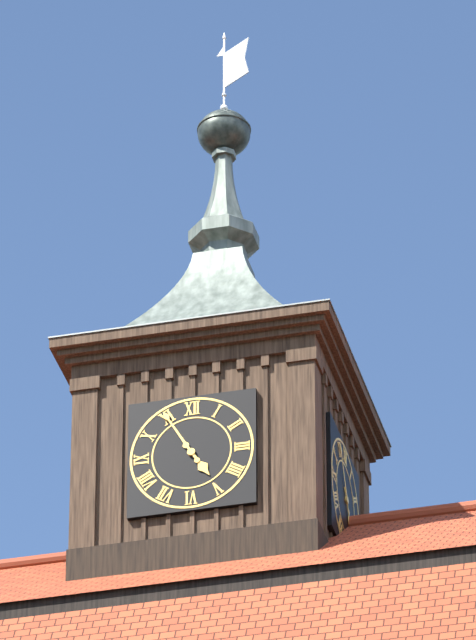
4:55
